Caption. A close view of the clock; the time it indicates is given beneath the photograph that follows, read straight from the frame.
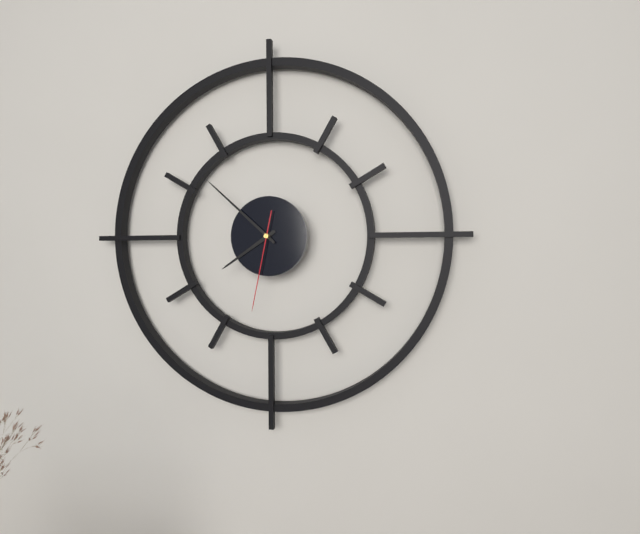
7:52:32
